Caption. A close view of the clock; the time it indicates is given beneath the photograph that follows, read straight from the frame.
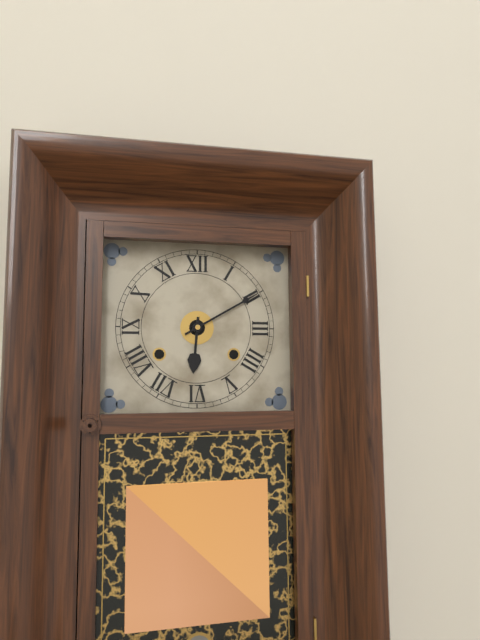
6:10
